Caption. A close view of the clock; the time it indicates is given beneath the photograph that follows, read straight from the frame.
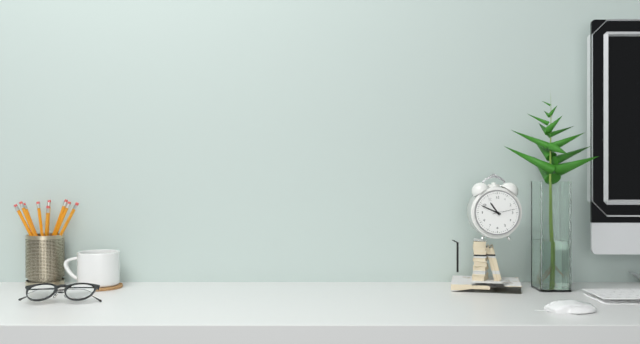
10:49
